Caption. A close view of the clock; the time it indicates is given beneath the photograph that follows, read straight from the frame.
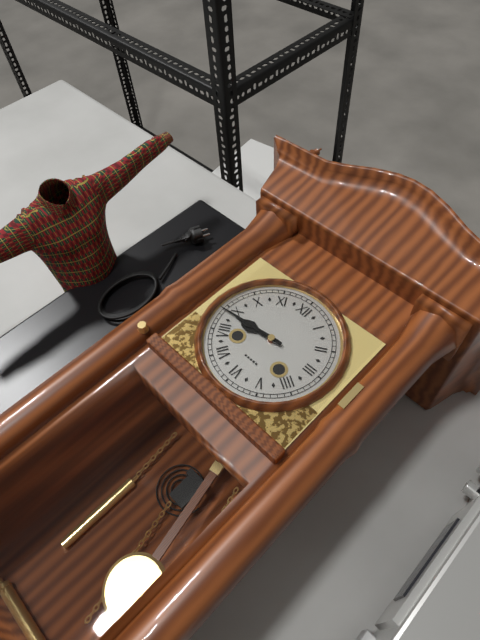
8:44
